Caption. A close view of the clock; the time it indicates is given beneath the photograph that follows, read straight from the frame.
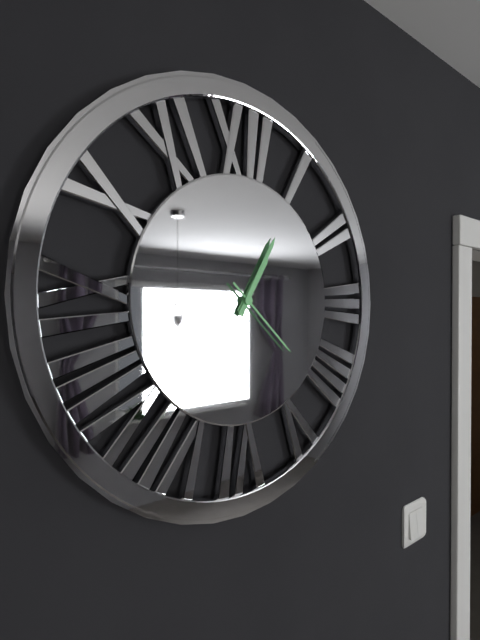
1:05:22
